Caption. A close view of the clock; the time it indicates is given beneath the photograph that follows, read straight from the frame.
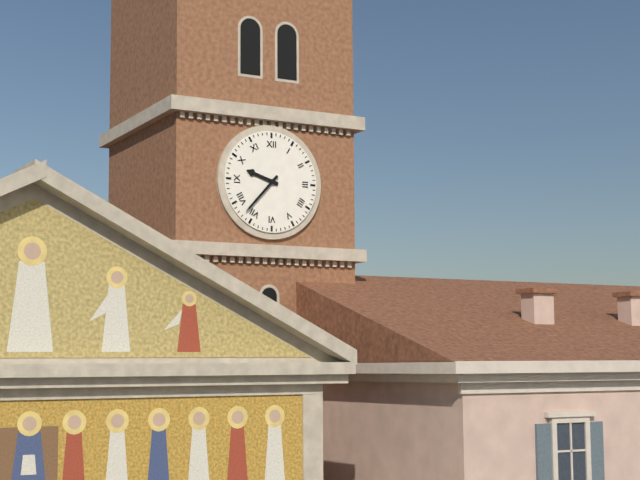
9:37
